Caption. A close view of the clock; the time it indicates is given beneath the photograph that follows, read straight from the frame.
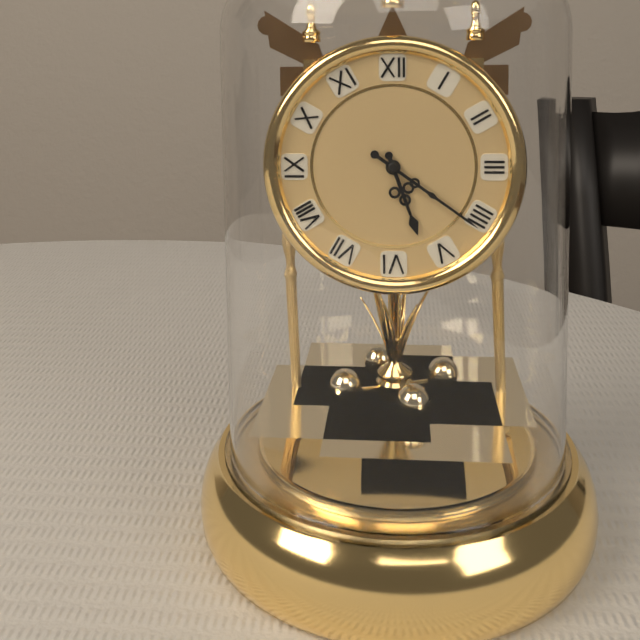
5:21
